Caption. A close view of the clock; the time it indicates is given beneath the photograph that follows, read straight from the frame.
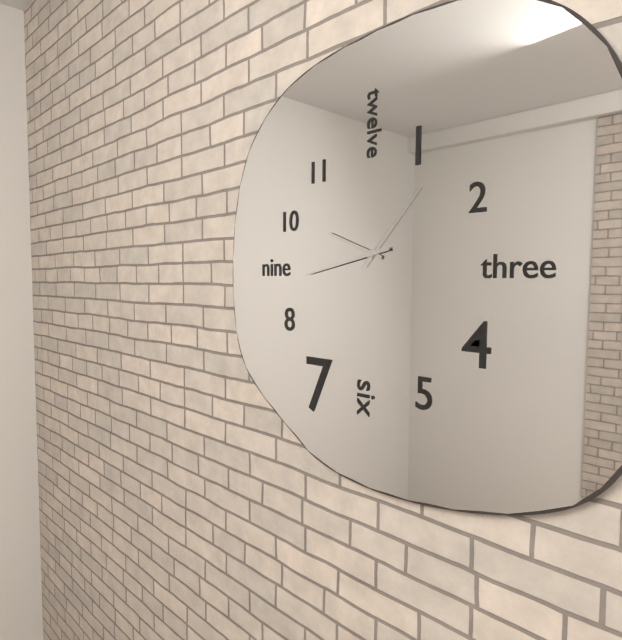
9:43:07
